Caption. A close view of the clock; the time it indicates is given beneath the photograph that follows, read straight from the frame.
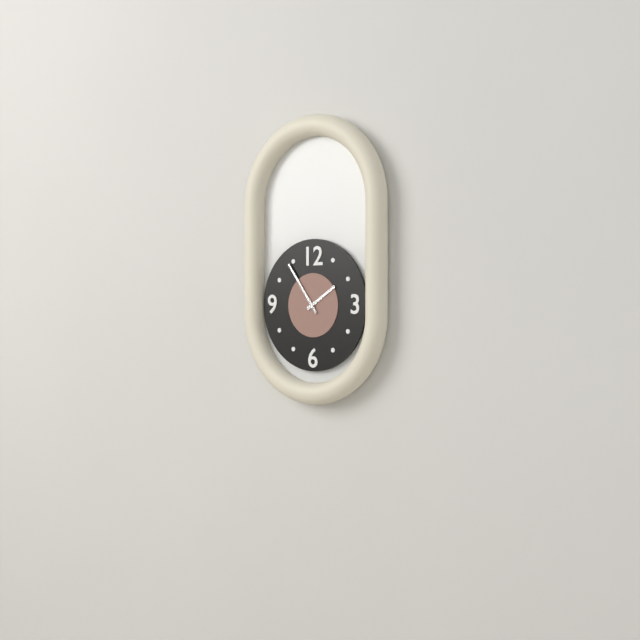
1:54
